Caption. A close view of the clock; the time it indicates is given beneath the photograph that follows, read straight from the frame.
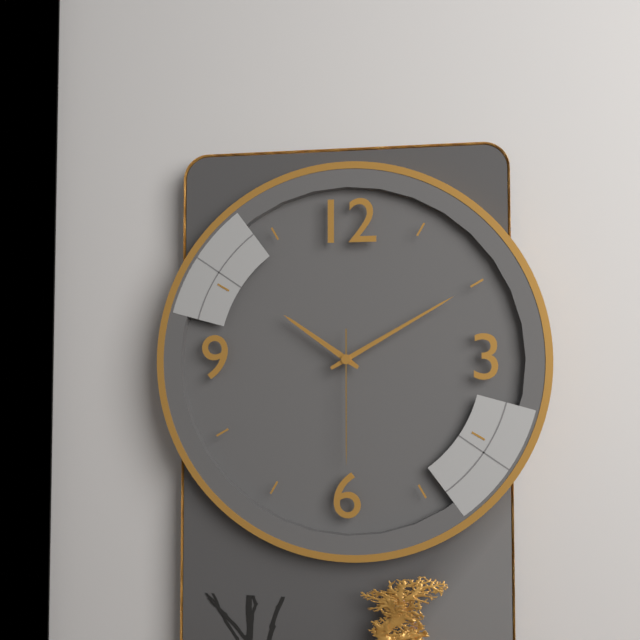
10:10:30
